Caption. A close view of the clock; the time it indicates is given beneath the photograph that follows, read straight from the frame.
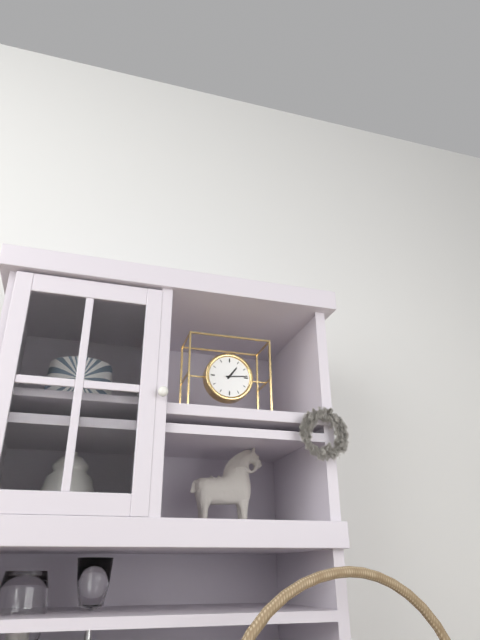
1:14
